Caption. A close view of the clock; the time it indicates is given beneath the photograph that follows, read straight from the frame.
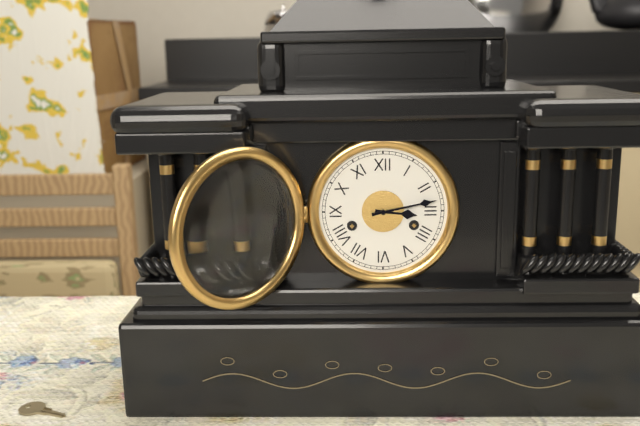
3:13
